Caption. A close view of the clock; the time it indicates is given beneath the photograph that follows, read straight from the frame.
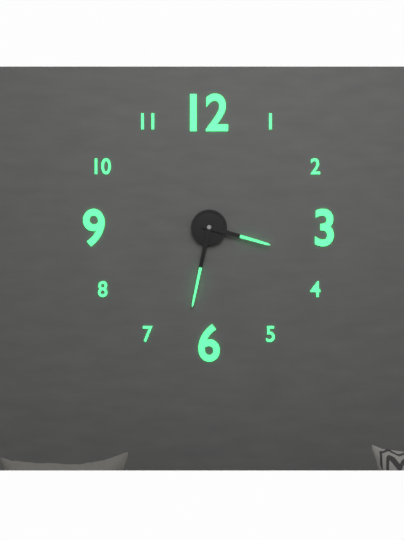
3:32
